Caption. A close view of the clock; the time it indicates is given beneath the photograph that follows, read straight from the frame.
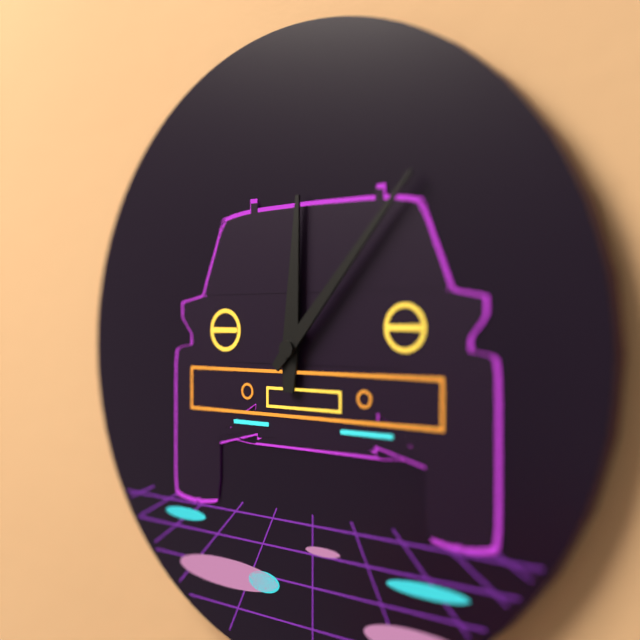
12:07
